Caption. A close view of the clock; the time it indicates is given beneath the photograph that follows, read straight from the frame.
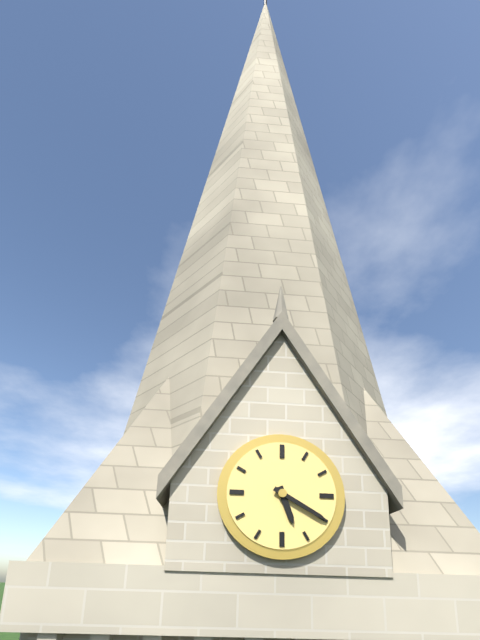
5:20
